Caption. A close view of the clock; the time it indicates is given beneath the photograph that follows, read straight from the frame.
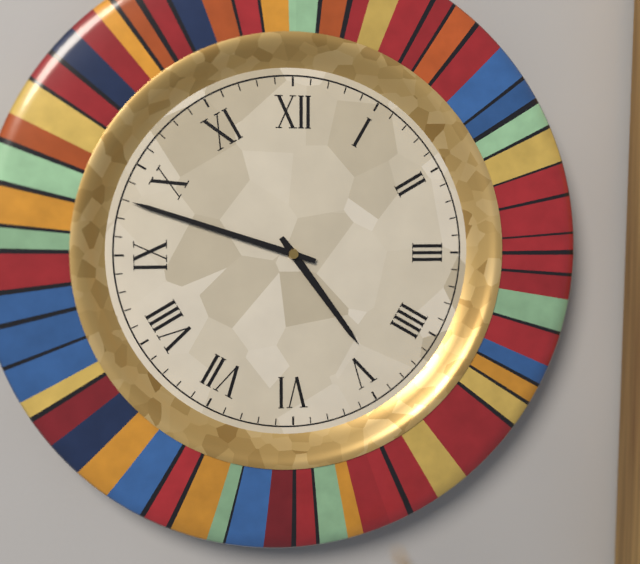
4:48
